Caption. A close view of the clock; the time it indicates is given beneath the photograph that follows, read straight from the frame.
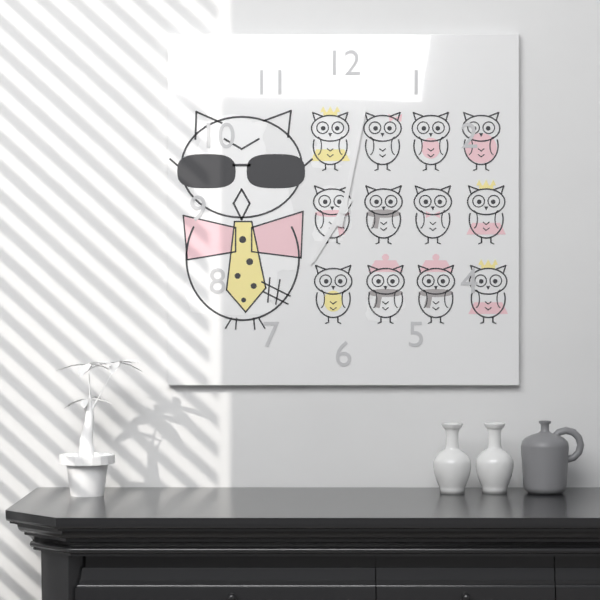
7:02
